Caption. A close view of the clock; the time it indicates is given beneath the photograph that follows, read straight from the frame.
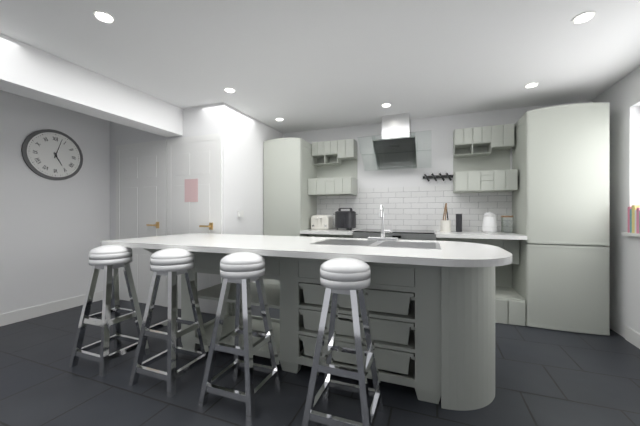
5:03
